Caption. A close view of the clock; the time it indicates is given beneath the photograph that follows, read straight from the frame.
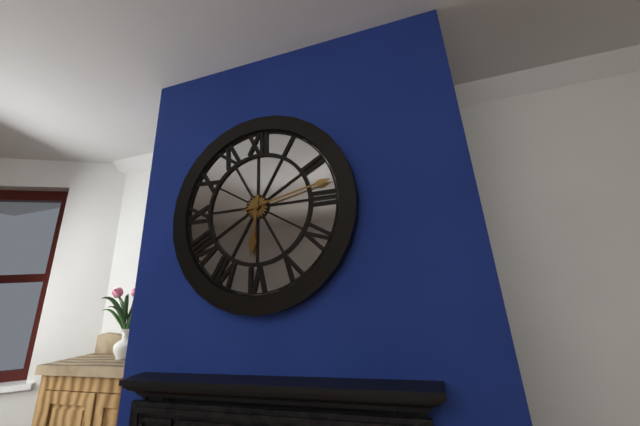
6:13
